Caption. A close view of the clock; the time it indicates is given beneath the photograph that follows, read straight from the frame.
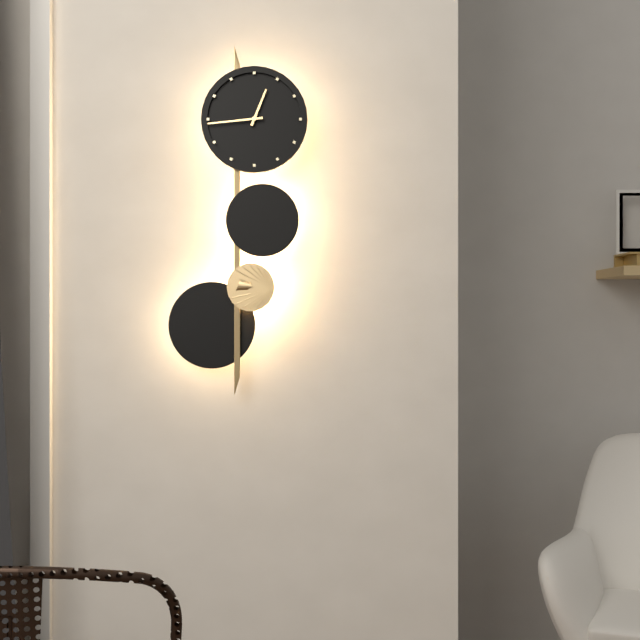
12:44
